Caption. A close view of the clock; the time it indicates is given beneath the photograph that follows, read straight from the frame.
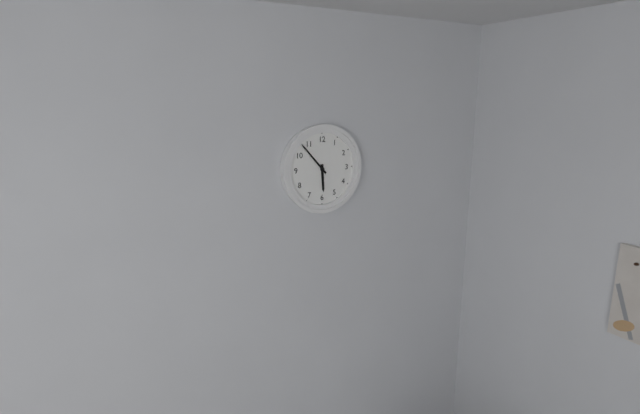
5:53
